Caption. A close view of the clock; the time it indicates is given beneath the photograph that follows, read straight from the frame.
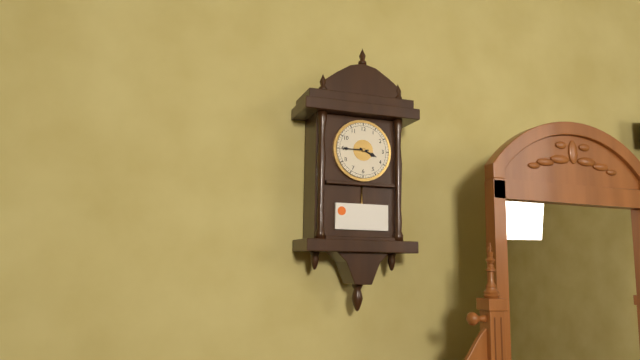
3:45
